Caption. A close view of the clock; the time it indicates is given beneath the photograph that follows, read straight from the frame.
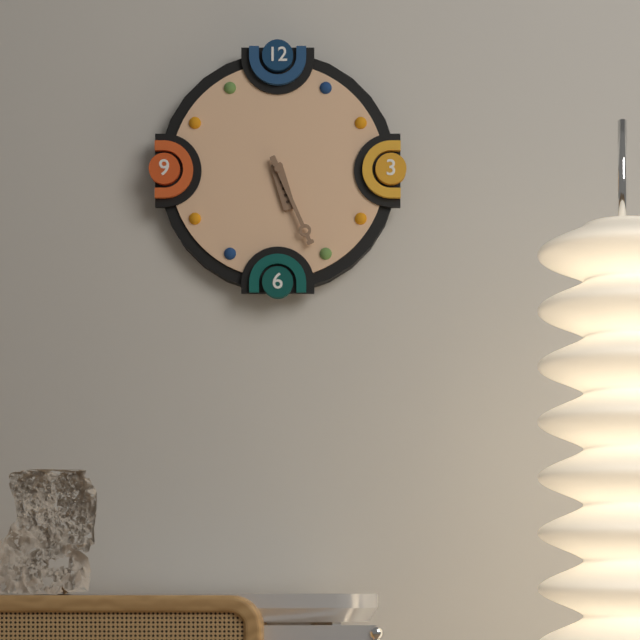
5:26
